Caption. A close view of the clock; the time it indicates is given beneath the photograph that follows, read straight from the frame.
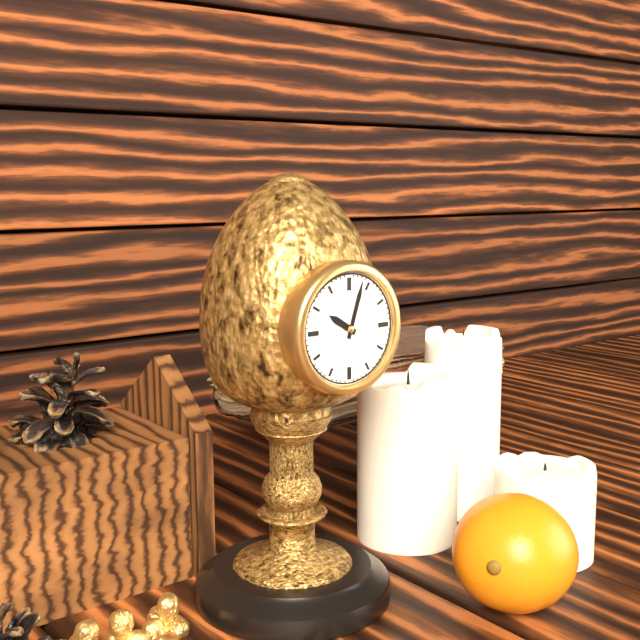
10:03
